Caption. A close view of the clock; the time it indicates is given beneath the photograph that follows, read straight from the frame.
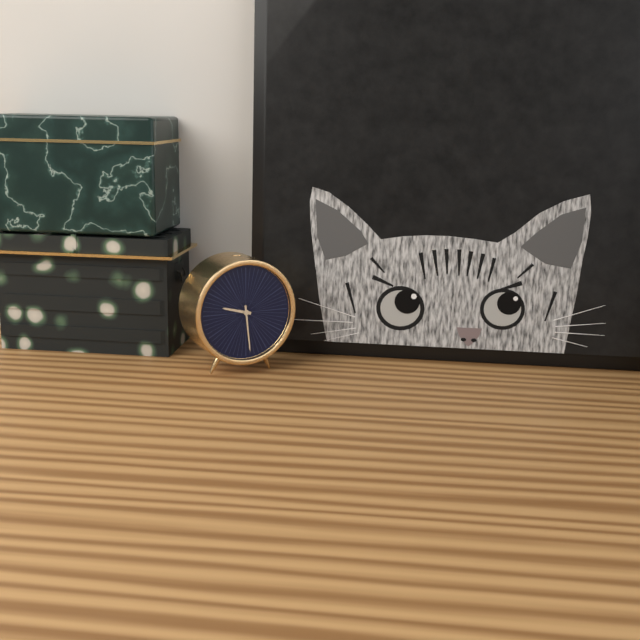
9:29
